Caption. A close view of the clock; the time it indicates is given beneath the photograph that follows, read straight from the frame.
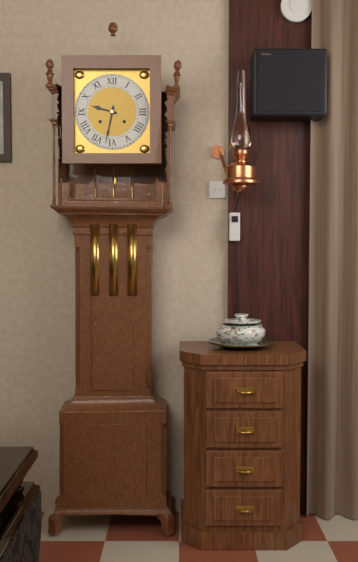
9:32
